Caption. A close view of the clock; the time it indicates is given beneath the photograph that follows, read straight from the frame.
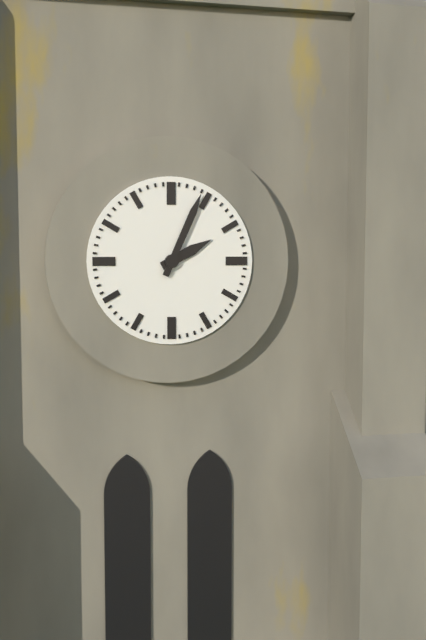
2:04
